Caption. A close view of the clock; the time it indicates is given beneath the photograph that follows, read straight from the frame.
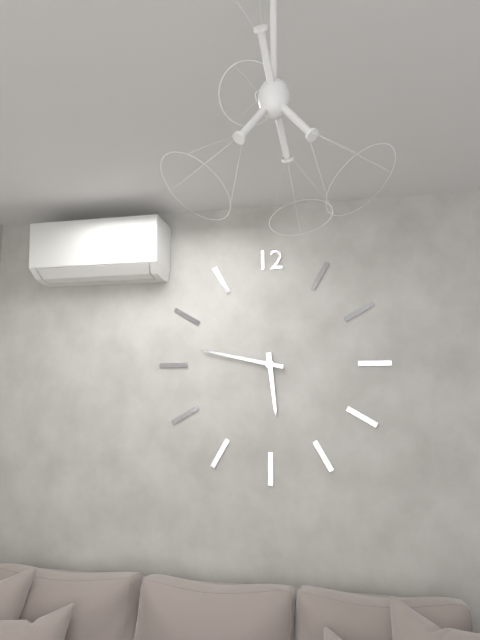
5:47
